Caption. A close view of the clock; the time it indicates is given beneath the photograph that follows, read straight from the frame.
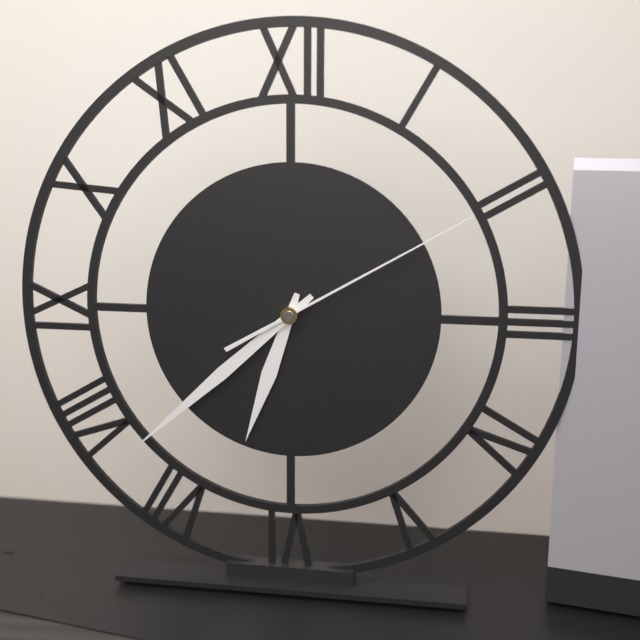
6:38:10
